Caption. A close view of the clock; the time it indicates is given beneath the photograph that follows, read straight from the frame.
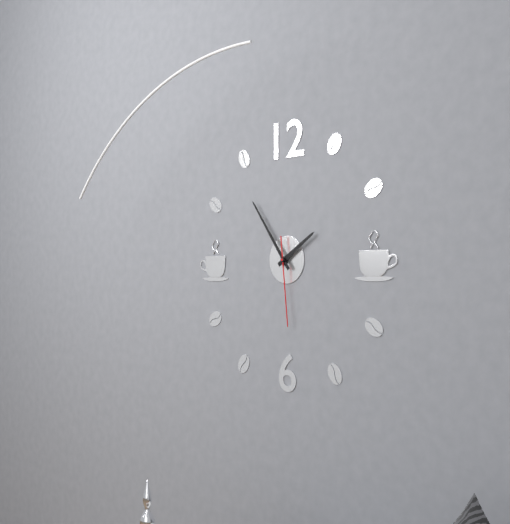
1:54:29
